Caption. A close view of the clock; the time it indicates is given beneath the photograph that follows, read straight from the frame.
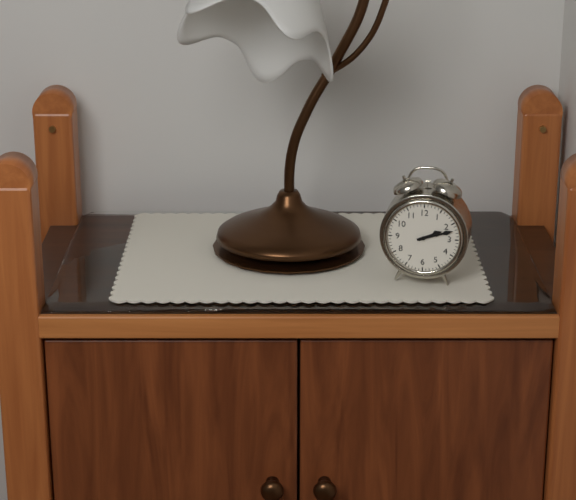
2:12
